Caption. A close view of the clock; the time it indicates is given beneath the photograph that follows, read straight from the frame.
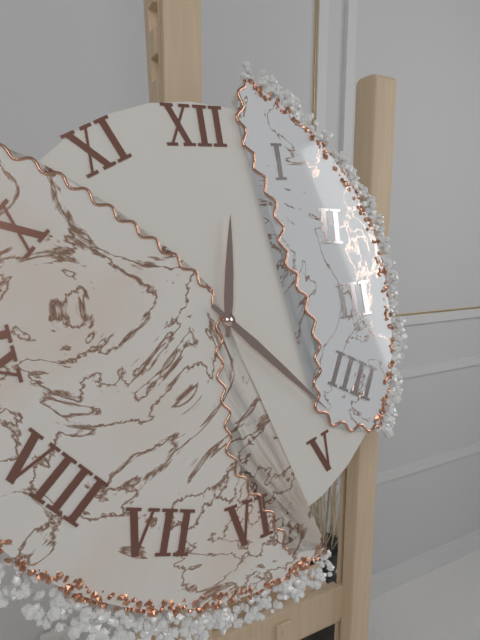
12:23
